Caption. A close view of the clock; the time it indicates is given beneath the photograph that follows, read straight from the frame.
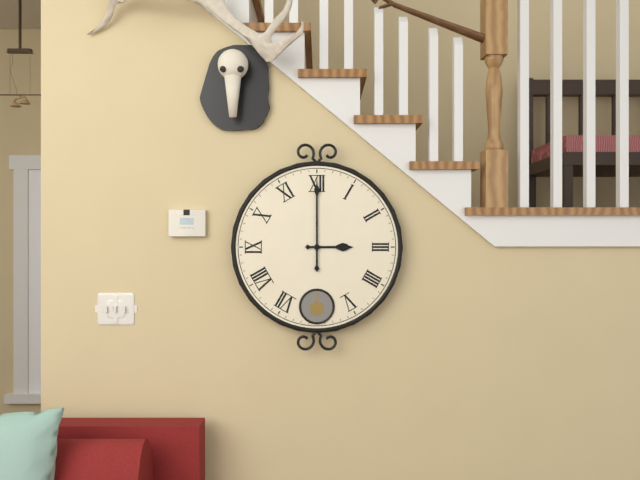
3:00
